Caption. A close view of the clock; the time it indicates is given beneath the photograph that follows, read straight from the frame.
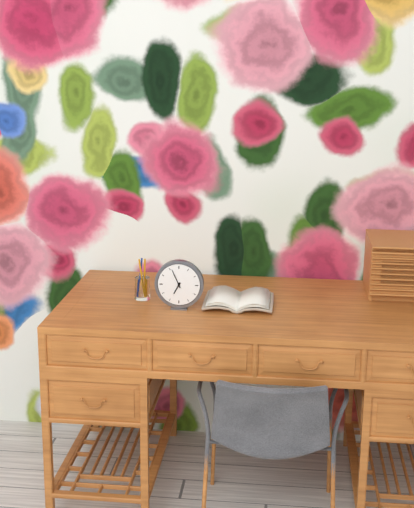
6:56
